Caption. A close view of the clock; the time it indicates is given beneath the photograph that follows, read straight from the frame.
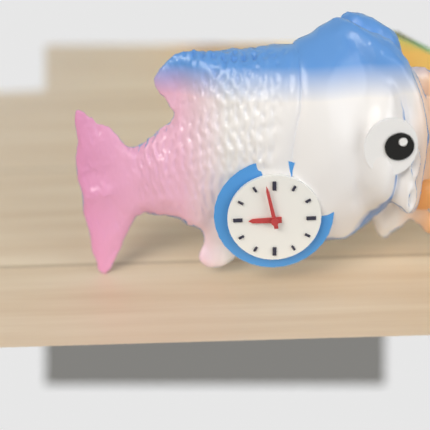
8:58
